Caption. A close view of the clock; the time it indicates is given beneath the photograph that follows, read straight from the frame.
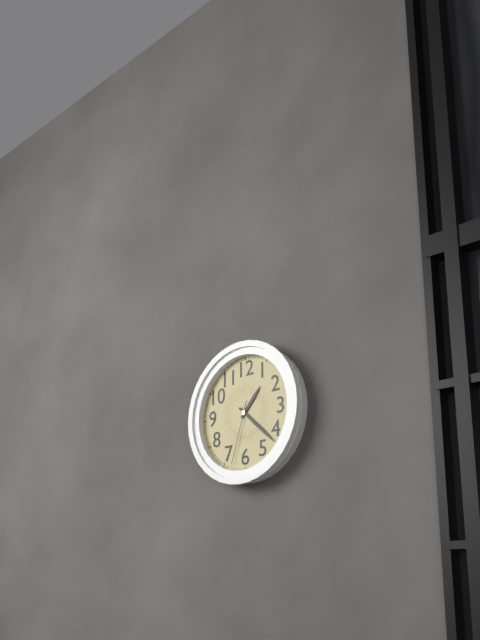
1:22:33
